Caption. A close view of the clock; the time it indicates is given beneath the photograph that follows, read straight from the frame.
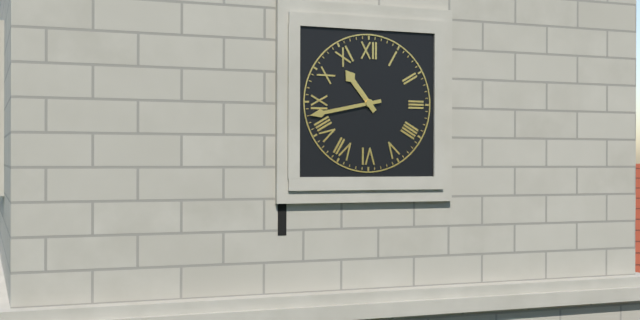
10:43
